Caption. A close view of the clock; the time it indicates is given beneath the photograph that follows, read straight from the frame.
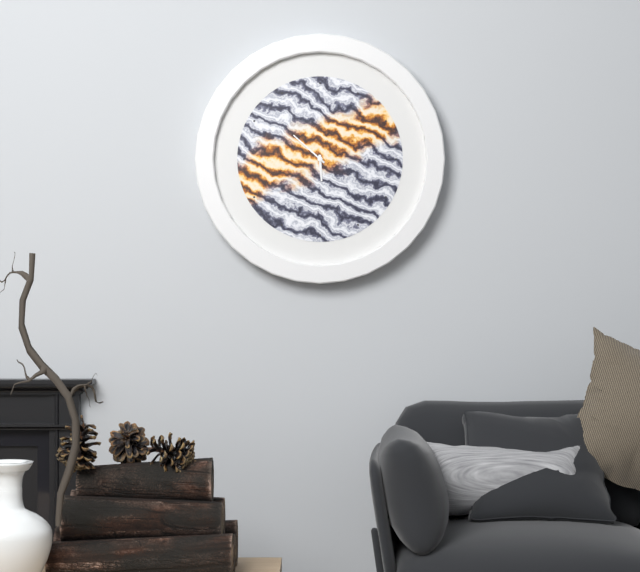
5:52
